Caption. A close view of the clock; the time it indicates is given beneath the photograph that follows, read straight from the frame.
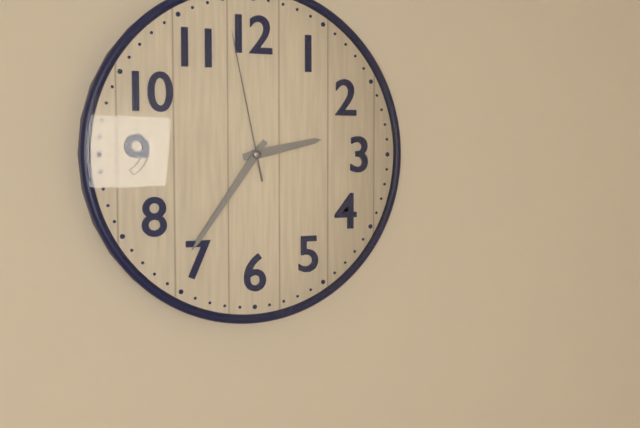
2:36:58
